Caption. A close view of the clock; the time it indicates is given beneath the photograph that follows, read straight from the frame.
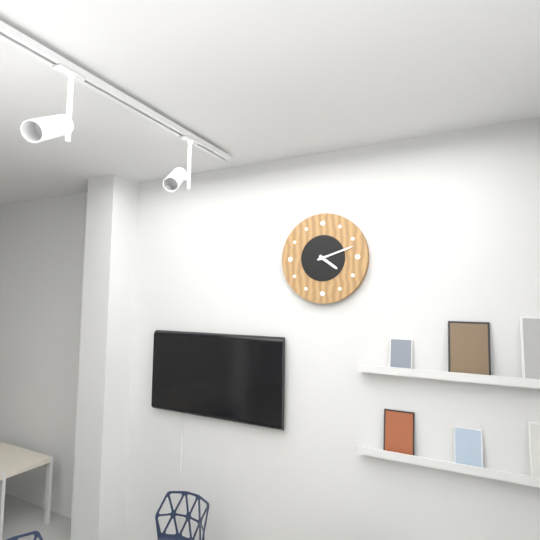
4:12
